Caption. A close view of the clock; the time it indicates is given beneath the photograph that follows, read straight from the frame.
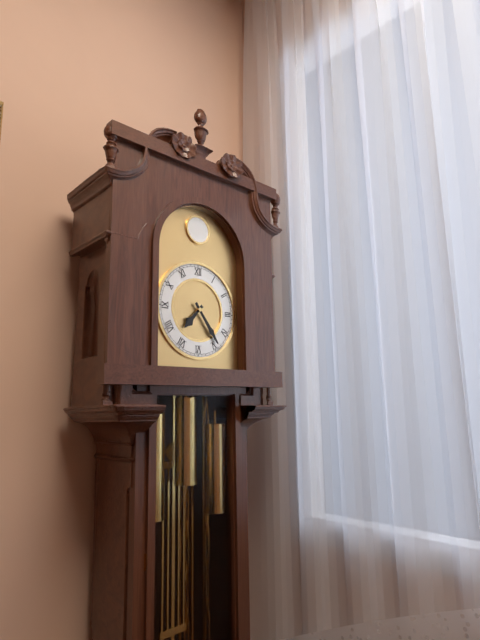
7:24
